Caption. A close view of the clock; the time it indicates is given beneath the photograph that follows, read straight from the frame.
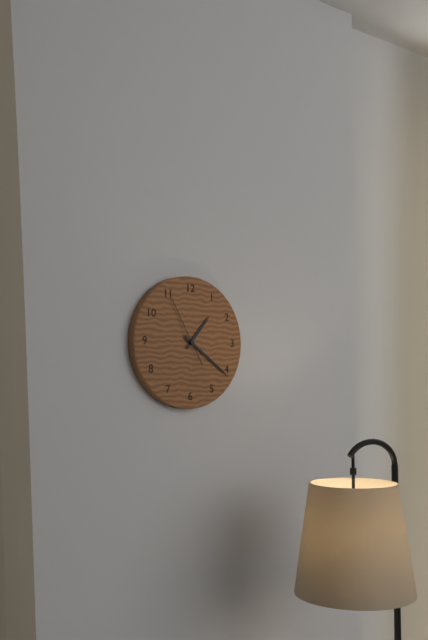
1:21:55
